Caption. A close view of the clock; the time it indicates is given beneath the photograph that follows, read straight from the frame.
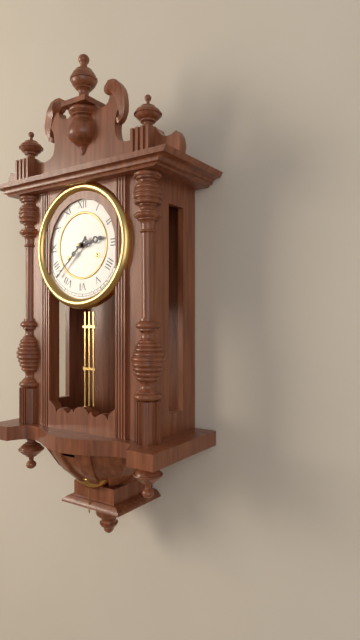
2:38
